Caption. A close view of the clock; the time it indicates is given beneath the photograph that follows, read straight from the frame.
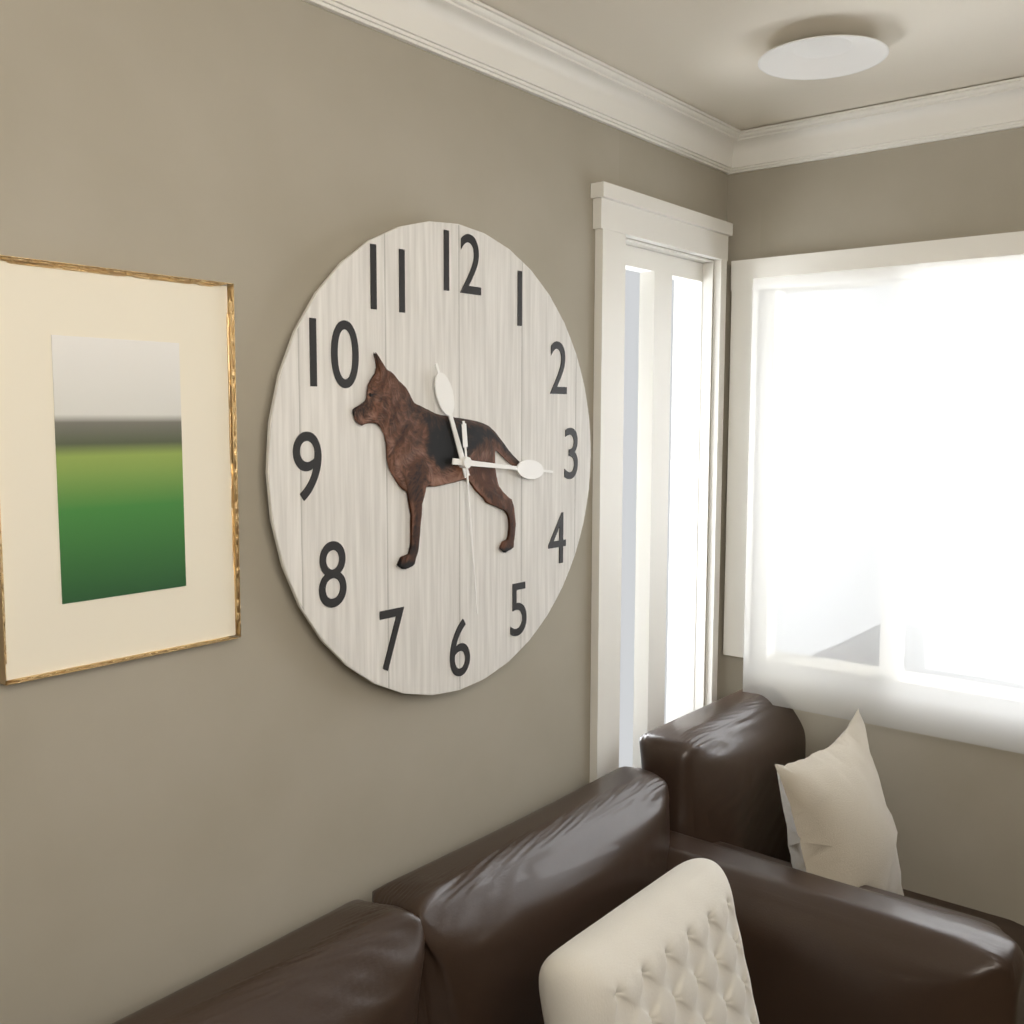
11:16:29
